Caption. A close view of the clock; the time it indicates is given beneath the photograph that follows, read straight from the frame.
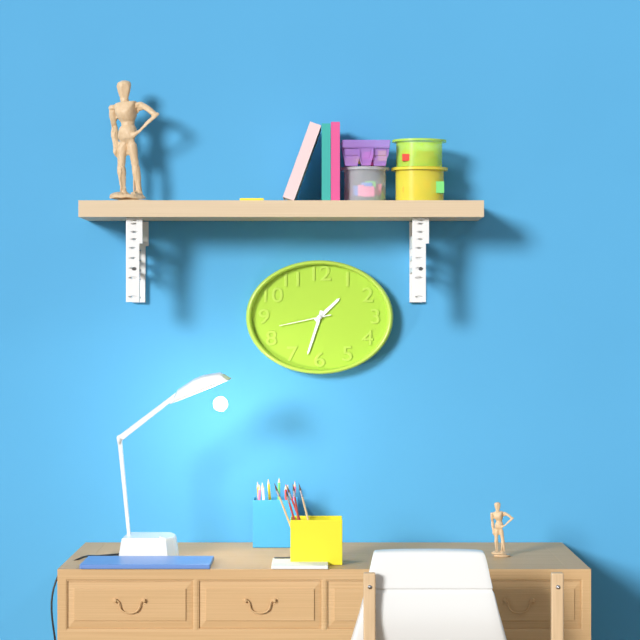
1:33:43
